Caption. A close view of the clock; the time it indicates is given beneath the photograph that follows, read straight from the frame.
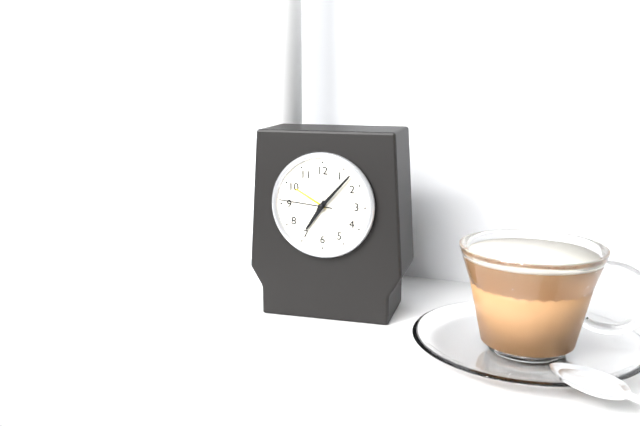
7:07:46
